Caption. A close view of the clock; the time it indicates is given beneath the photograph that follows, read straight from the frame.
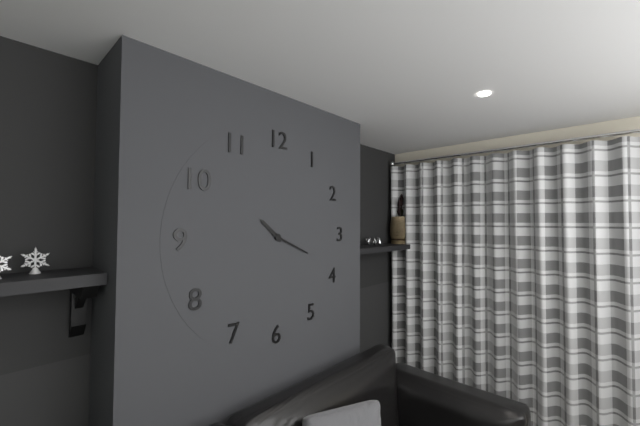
10:19
